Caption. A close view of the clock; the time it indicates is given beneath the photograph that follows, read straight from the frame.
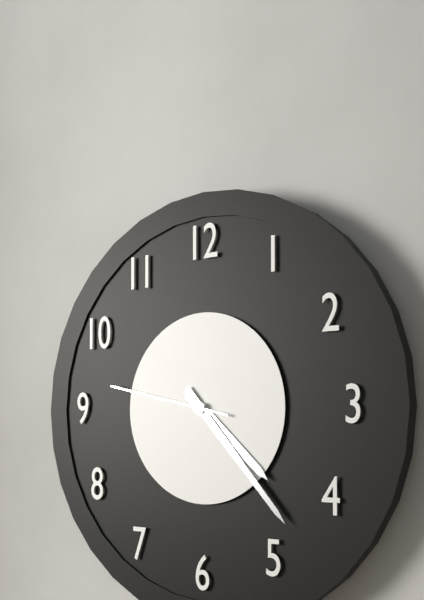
4:23:47
